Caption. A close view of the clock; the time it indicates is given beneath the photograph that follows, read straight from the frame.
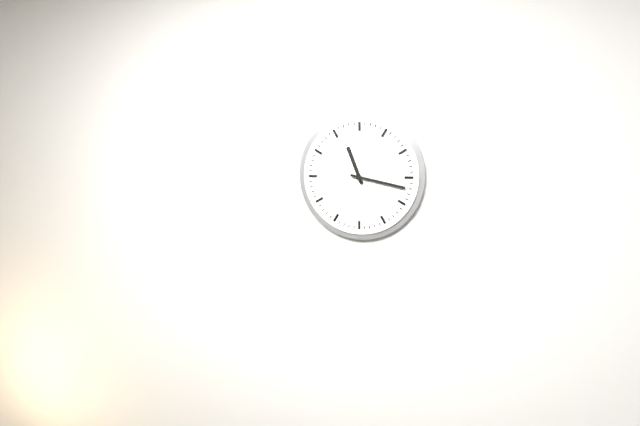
11:17
